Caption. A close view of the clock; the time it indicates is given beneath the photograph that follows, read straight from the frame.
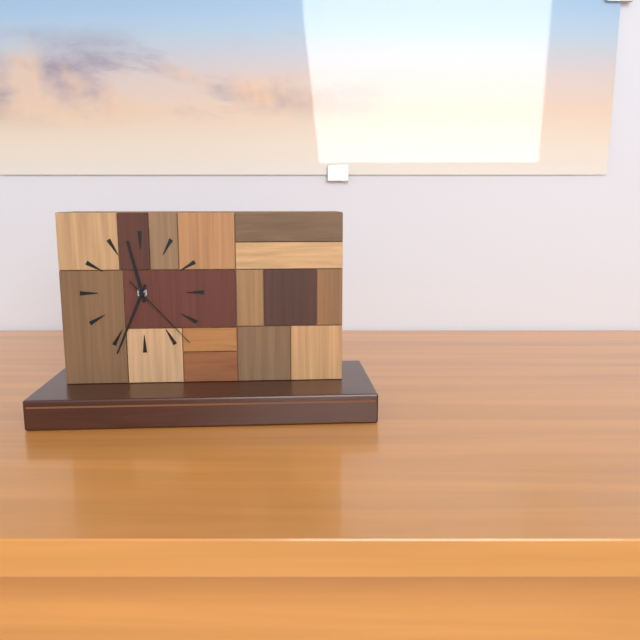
11:34:23
